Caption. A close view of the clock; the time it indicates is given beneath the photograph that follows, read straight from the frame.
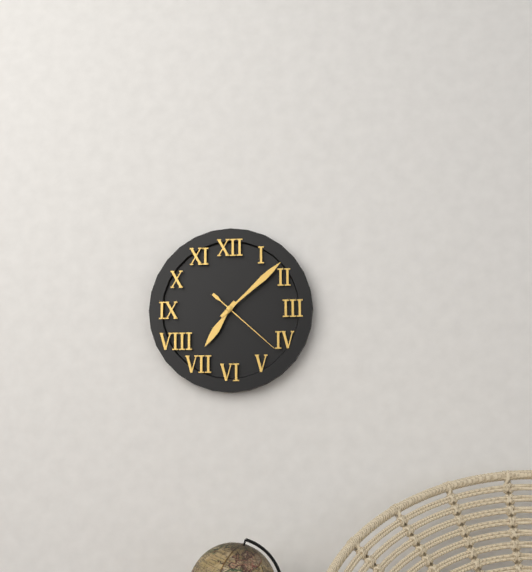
7:08:22
